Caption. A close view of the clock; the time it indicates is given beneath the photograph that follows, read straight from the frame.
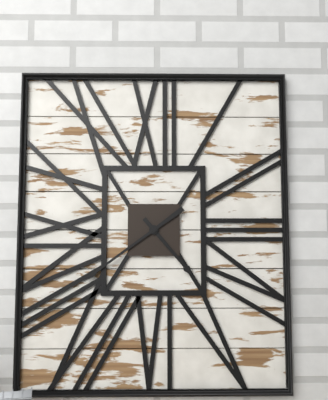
4:39
